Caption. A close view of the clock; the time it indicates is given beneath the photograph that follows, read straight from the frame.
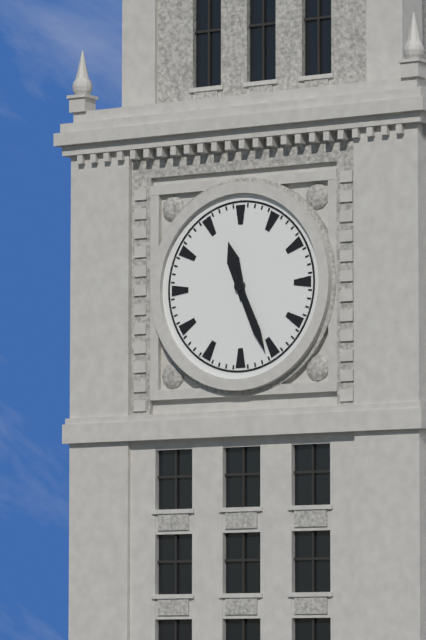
11:26
